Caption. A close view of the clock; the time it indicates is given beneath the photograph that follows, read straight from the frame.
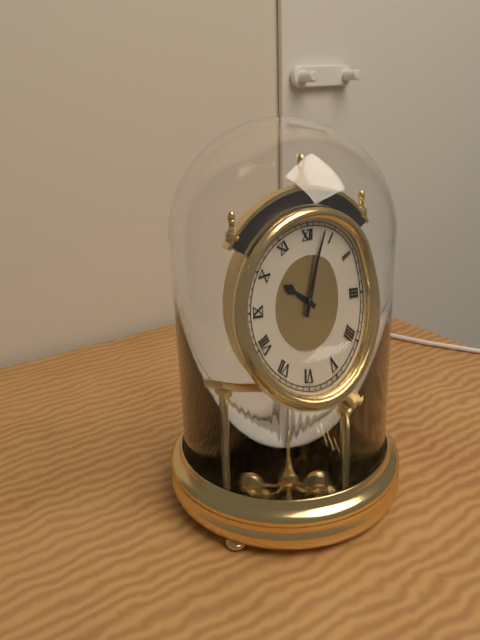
10:03
